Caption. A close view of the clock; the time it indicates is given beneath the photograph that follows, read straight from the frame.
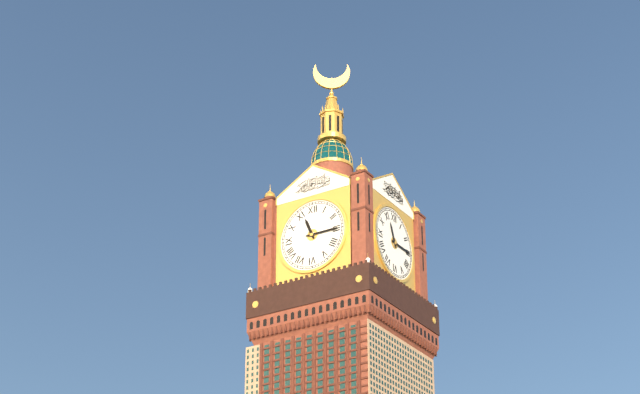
11:15
